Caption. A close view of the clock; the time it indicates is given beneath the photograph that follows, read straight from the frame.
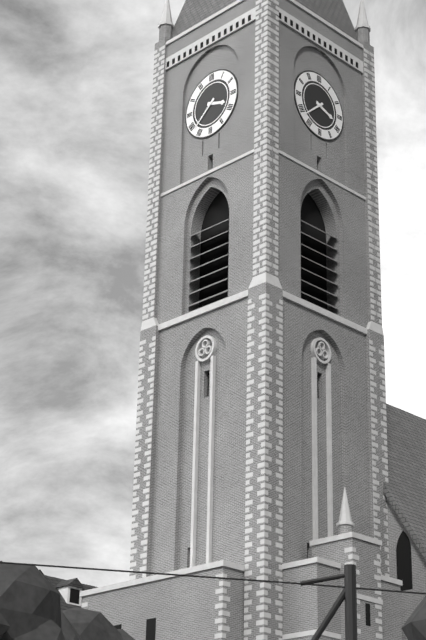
3:38
